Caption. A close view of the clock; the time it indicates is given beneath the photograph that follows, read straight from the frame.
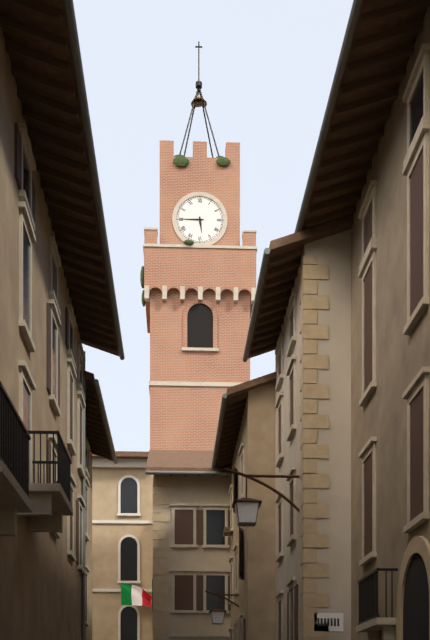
5:45
